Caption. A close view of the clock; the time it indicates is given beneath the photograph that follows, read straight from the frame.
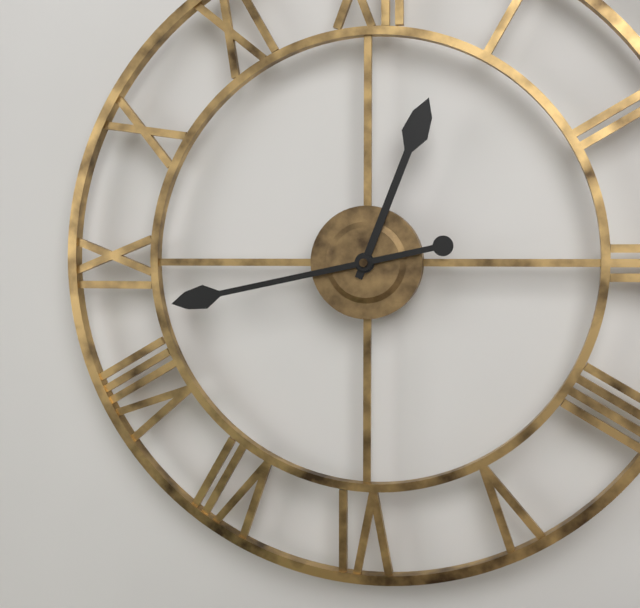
12:43
